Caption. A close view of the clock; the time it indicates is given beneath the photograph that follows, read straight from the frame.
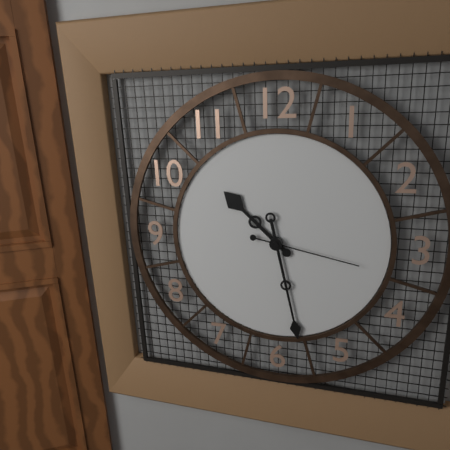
10:28:17
